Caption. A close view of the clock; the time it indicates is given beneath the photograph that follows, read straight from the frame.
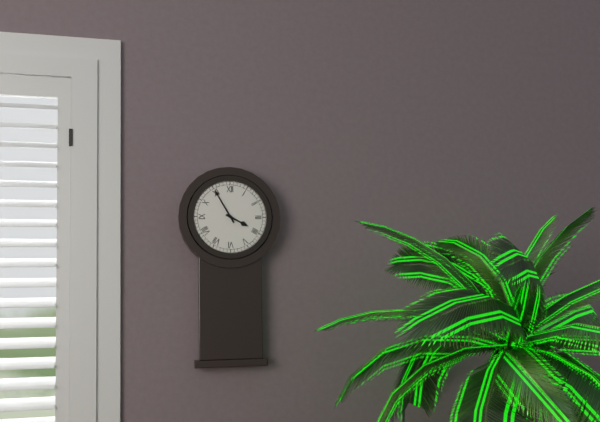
3:55
